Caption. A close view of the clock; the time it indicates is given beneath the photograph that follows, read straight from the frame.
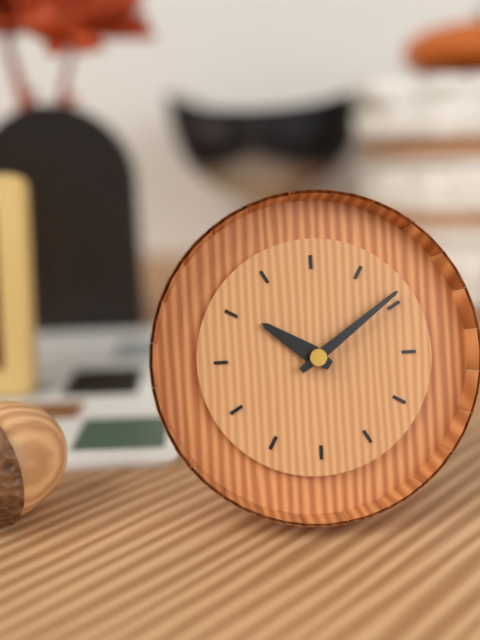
10:09
